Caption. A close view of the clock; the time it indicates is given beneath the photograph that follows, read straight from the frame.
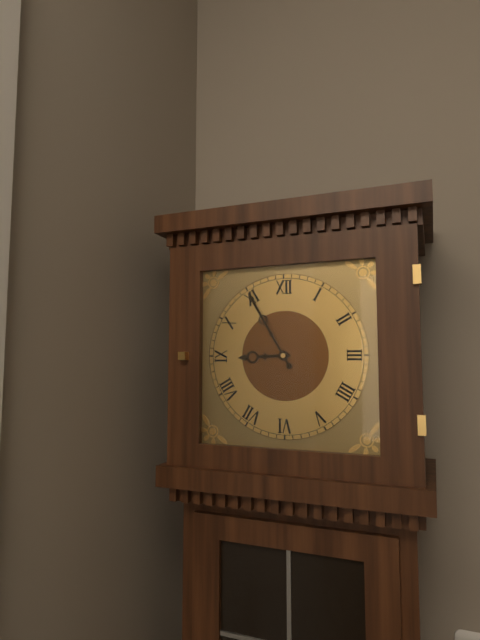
8:55
